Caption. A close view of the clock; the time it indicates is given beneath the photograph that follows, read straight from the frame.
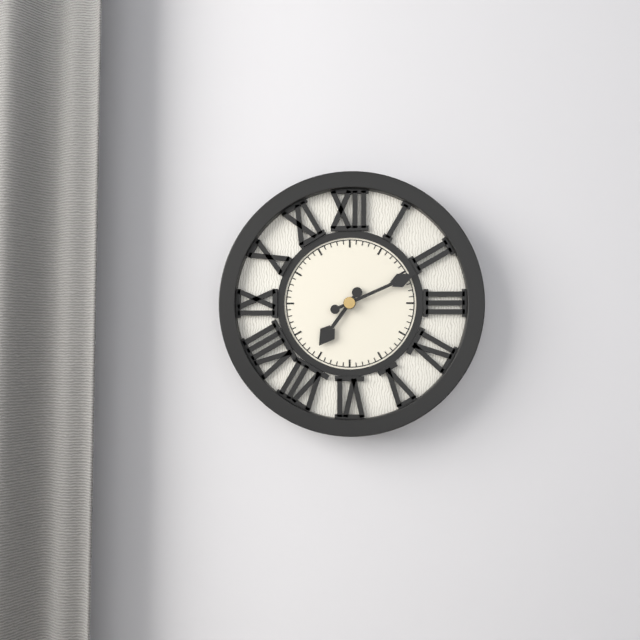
7:11
